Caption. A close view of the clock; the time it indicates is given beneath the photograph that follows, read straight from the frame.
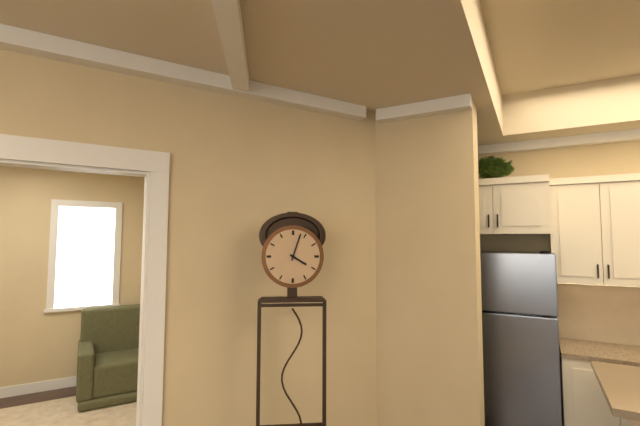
4:03
